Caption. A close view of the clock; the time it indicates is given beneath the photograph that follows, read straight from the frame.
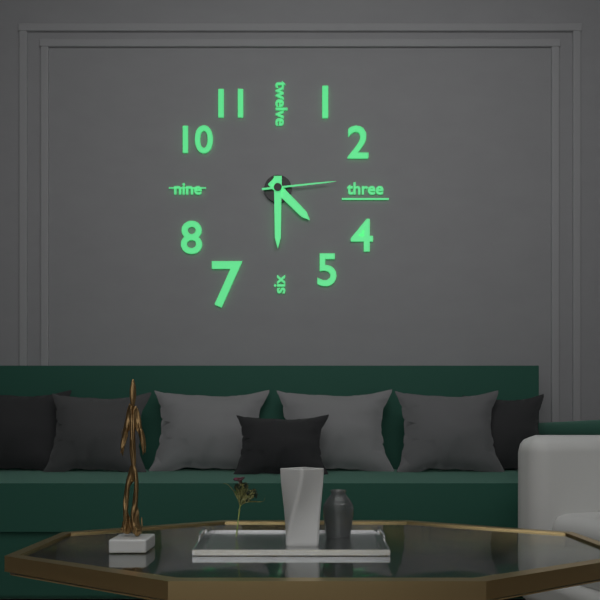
4:30:14
